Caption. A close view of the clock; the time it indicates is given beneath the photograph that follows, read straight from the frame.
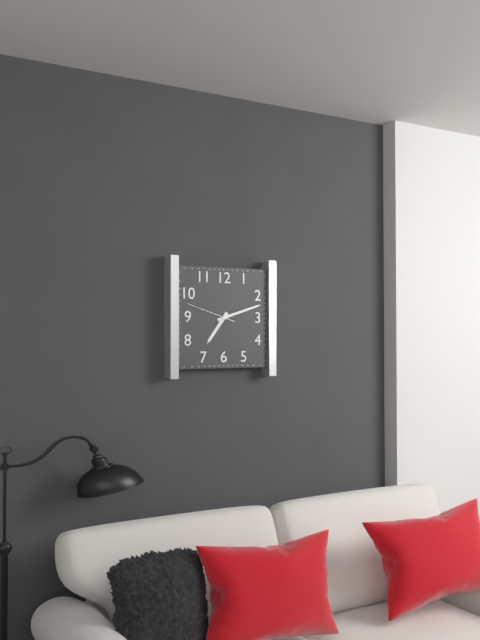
7:12
